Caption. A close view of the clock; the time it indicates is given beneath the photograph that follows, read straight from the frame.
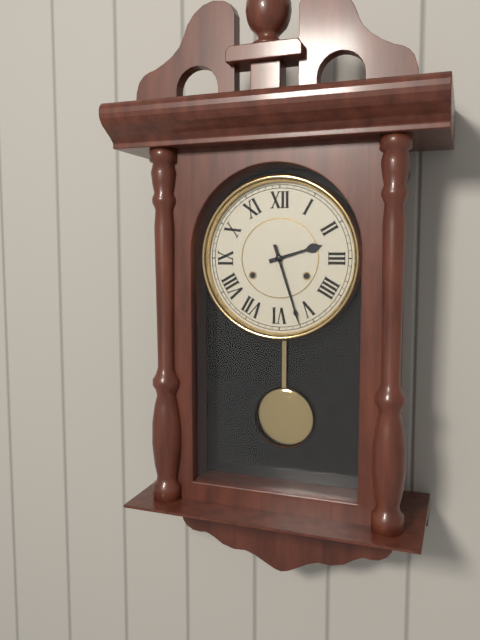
2:27
